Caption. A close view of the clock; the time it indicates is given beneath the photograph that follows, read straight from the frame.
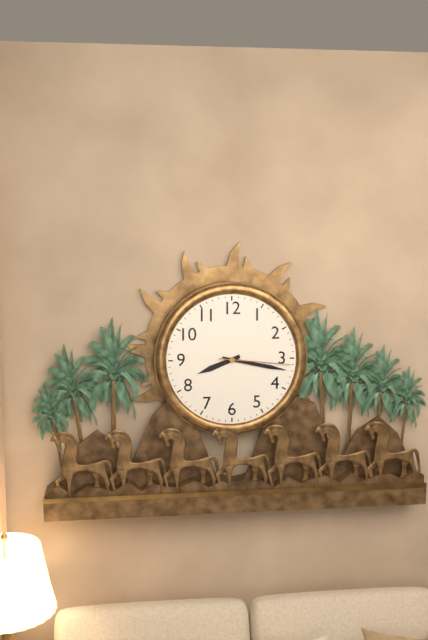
8:17:16
